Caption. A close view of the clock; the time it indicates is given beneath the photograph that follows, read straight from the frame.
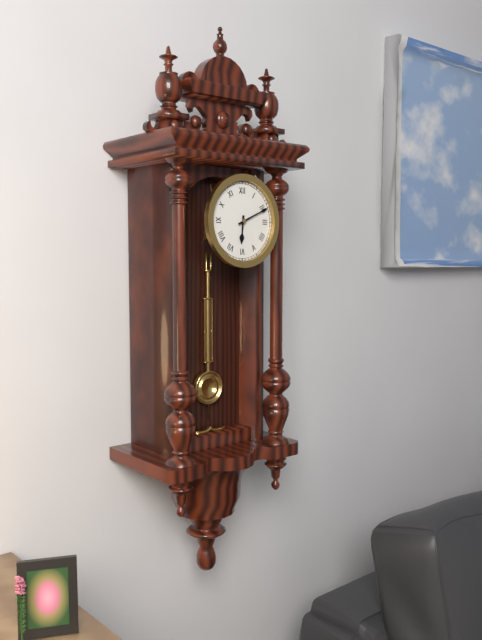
6:11
